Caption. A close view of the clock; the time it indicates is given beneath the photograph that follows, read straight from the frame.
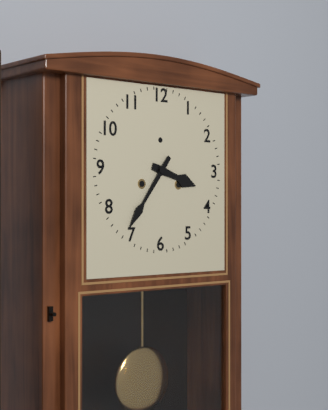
3:36
